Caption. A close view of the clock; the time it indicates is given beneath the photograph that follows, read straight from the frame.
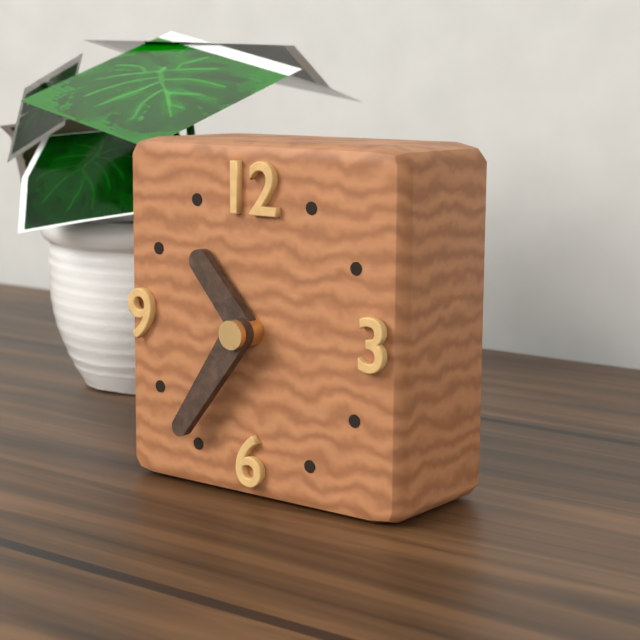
10:36
